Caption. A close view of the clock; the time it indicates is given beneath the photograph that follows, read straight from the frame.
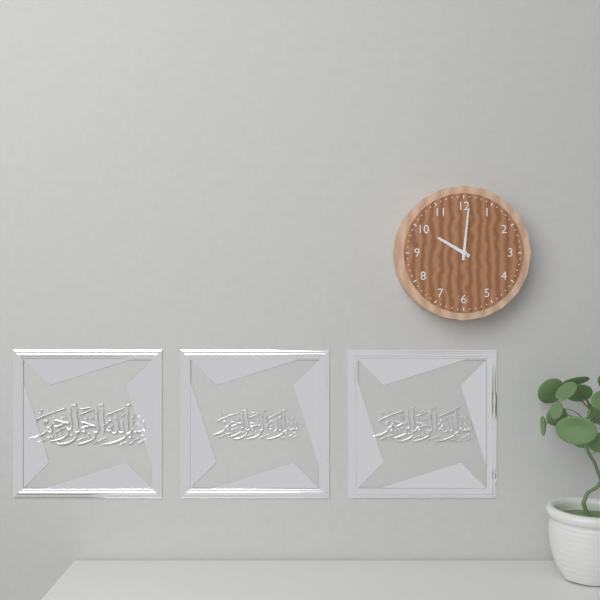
10:01
